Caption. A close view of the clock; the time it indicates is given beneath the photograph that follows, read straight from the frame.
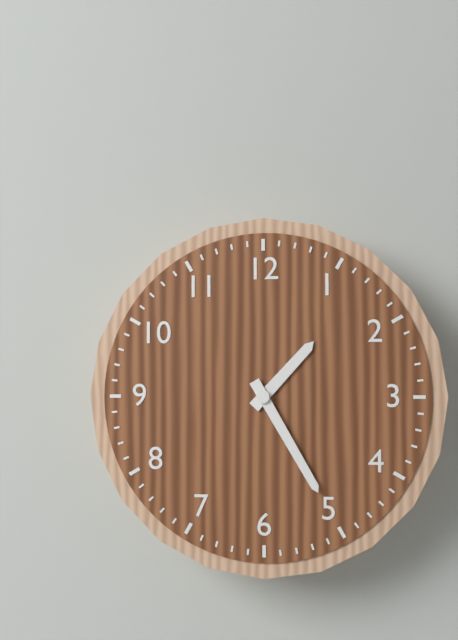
1:25
